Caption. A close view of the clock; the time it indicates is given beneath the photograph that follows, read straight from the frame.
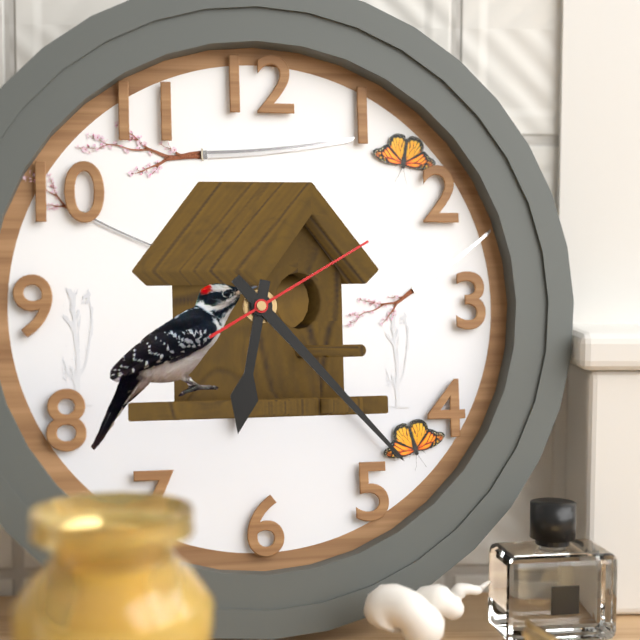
6:23:10
